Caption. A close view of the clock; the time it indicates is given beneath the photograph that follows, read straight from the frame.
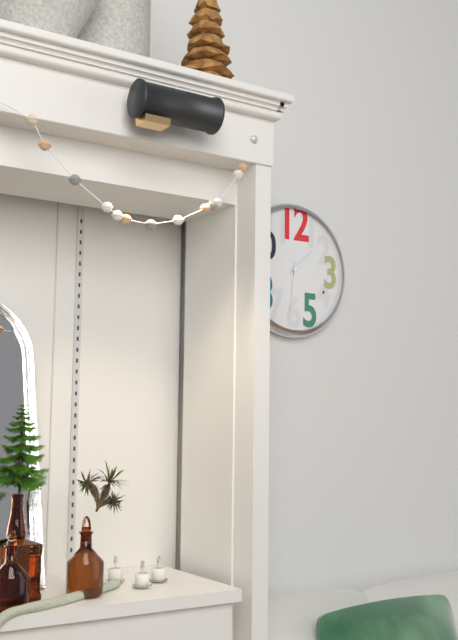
1:31
